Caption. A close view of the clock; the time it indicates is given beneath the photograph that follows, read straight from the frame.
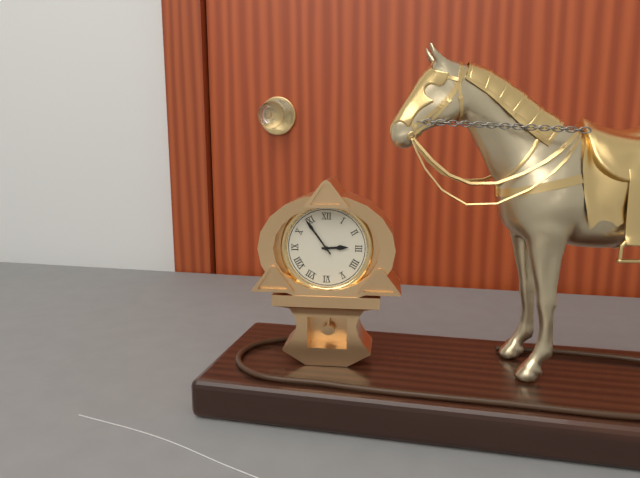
2:54
